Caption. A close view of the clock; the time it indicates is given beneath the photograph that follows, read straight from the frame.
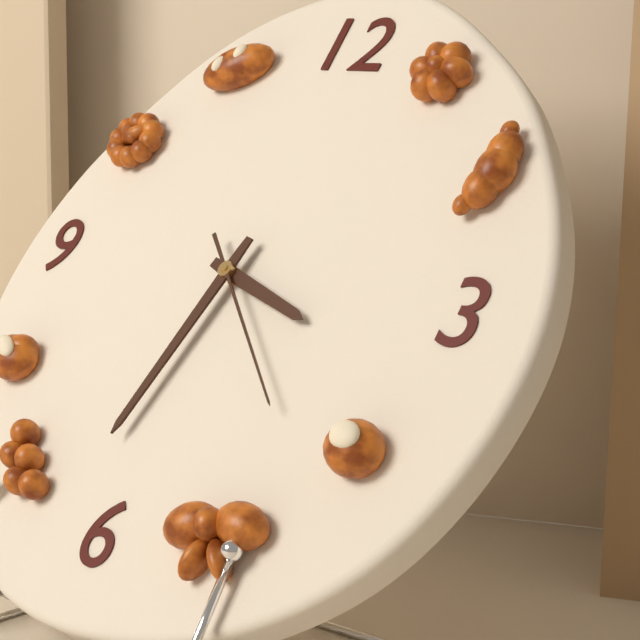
3:32:22
